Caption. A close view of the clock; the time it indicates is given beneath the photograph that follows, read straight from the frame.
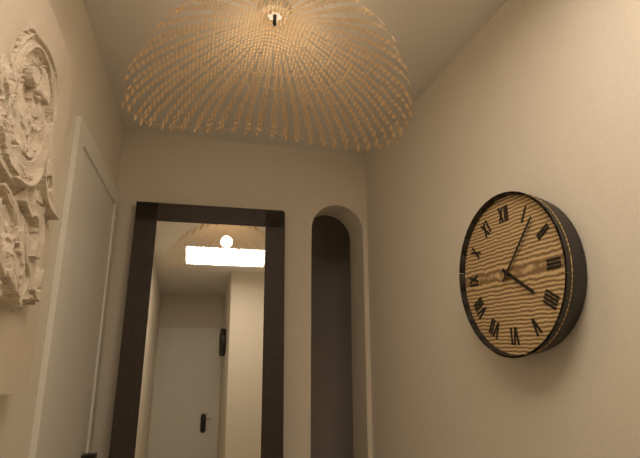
4:07
